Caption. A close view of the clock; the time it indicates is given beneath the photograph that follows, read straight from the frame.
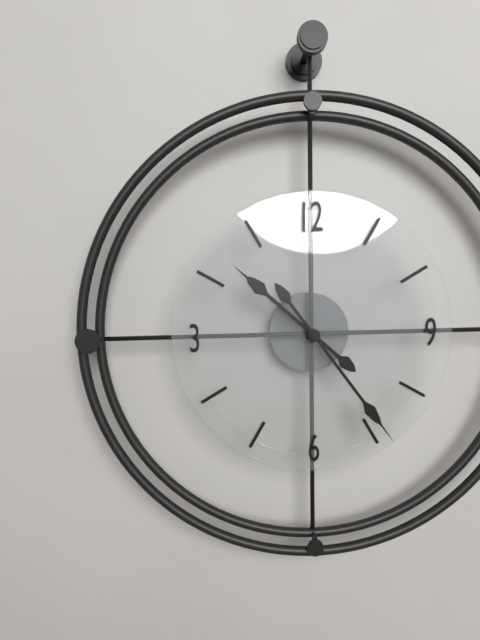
10:24
